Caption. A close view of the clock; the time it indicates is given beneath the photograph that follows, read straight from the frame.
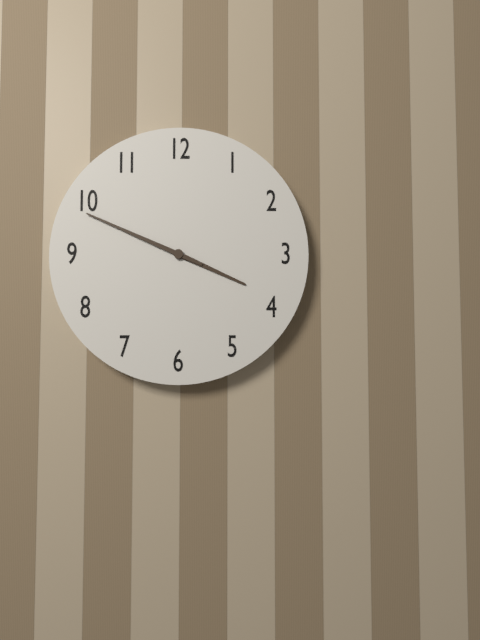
3:49
